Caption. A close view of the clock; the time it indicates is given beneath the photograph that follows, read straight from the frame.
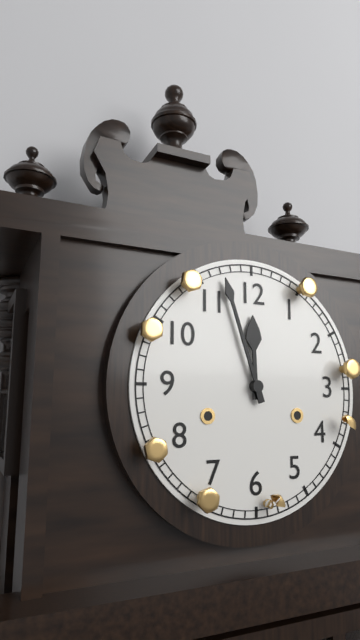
11:57
